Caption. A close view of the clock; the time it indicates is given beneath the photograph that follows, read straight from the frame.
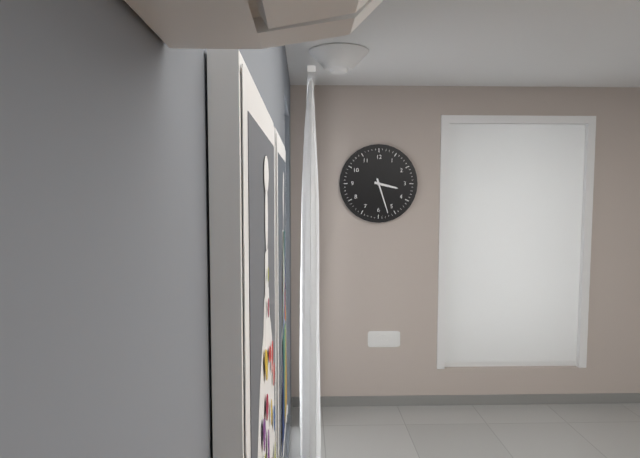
3:27
